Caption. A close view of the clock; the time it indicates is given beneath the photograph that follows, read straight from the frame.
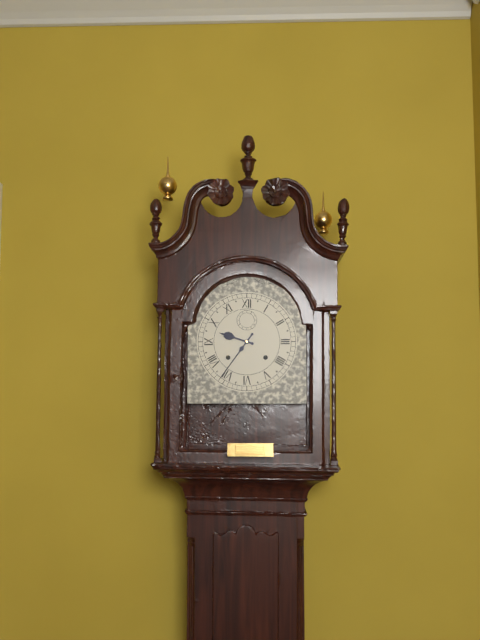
9:36
